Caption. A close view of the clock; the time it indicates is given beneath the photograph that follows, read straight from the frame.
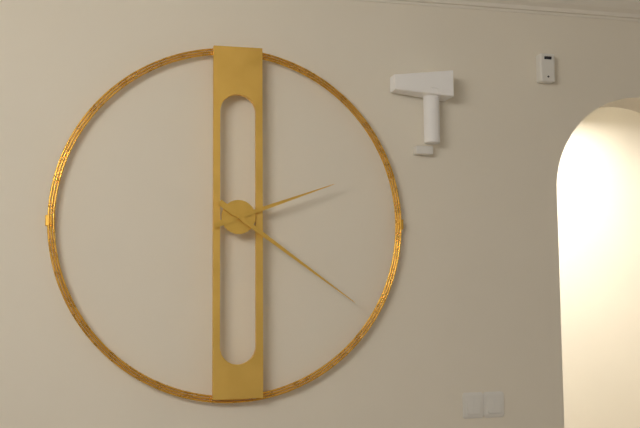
2:21
